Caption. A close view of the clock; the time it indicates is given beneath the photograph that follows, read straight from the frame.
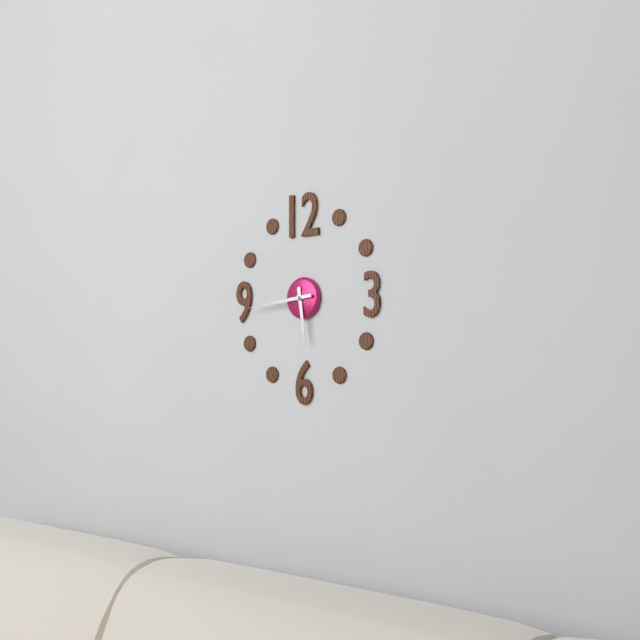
5:44
